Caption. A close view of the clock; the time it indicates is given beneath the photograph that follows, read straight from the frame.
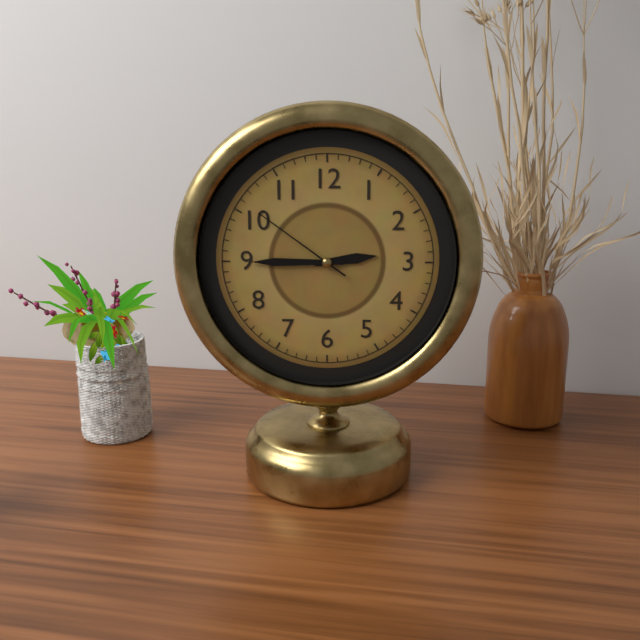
2:45:51
